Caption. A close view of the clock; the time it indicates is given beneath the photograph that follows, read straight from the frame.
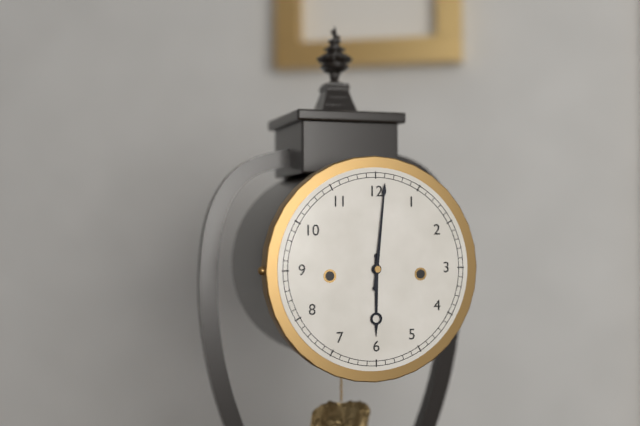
6:01
